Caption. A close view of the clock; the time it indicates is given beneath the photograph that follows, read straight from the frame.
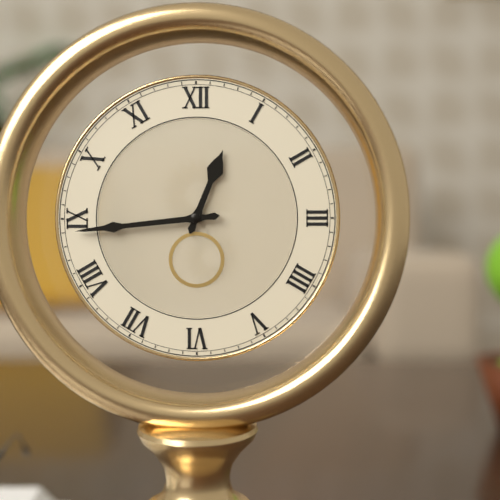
12:44
